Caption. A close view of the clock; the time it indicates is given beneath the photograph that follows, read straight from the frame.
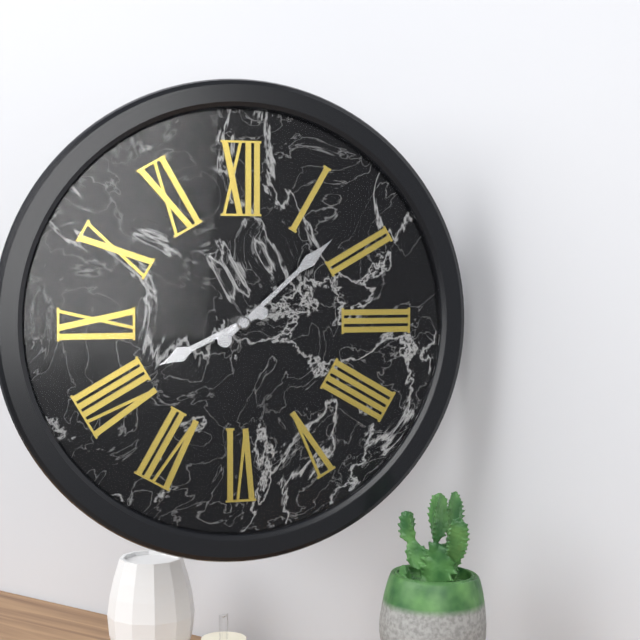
8:08
